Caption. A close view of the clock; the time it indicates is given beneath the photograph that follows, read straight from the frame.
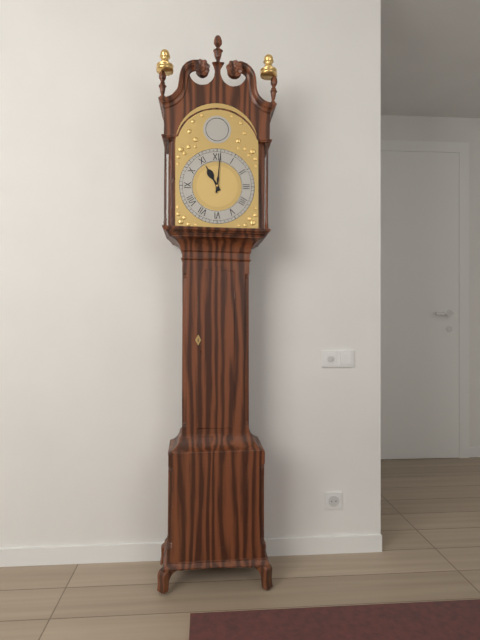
11:01
